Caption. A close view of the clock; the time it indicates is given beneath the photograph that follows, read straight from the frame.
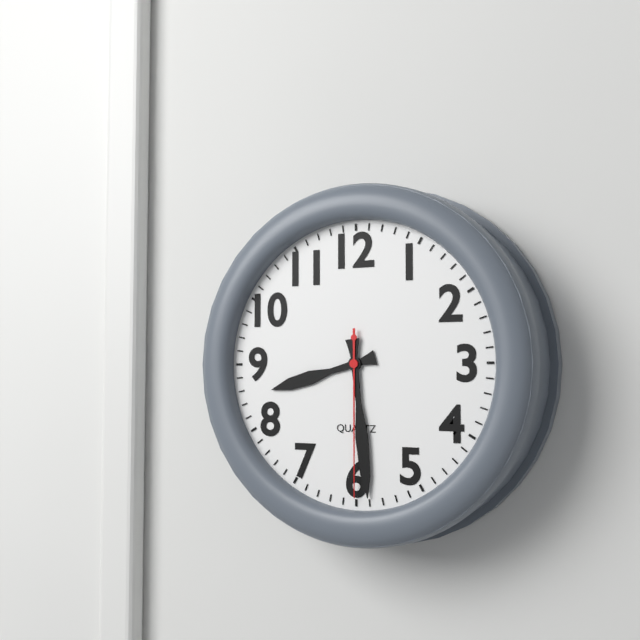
8:29:30
